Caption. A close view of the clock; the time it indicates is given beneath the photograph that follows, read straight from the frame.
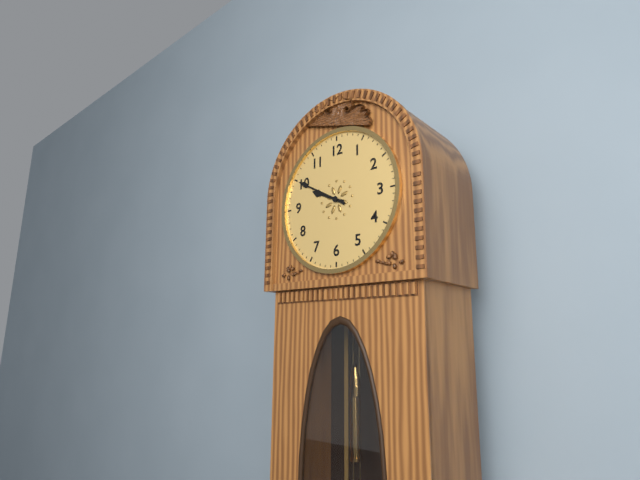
9:50
